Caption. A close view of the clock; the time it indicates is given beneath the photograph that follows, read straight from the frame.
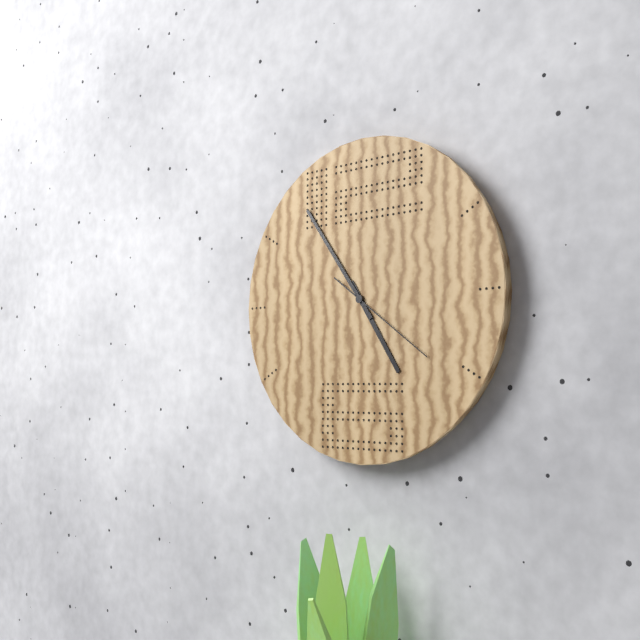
4:54:21
